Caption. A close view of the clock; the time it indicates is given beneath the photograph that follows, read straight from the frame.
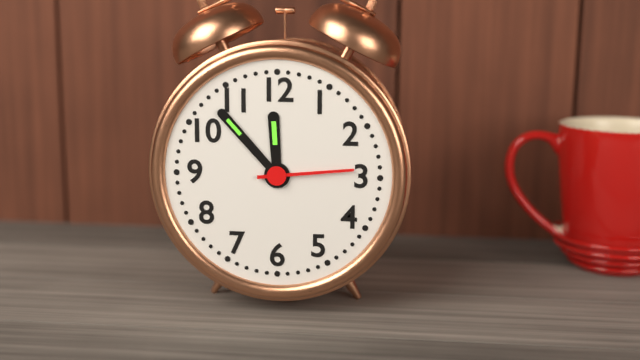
11:53:14
